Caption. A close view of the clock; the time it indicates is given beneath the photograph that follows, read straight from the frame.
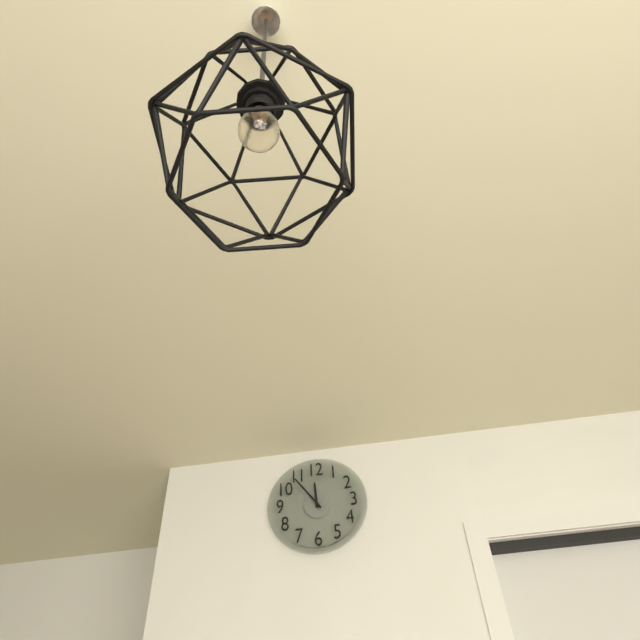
11:54
